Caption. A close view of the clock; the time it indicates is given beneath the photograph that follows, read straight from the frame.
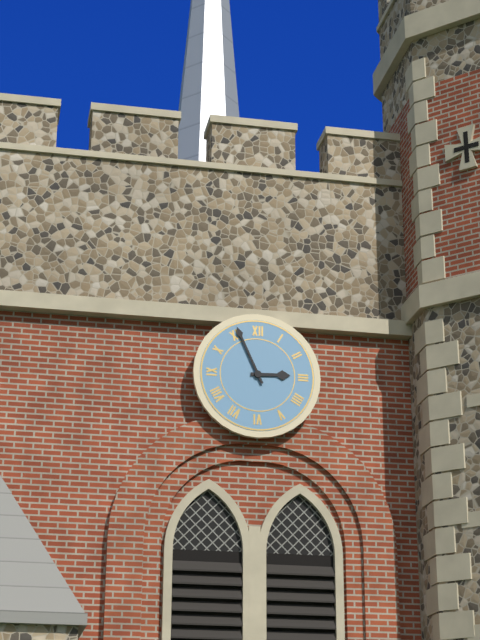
2:56
